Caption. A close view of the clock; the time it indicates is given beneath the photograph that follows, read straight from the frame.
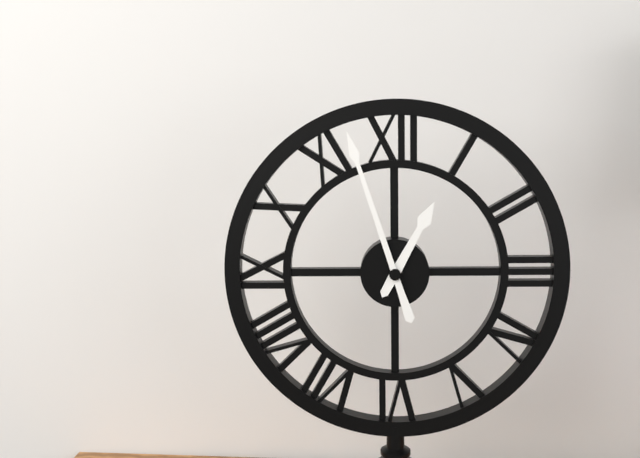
12:57
